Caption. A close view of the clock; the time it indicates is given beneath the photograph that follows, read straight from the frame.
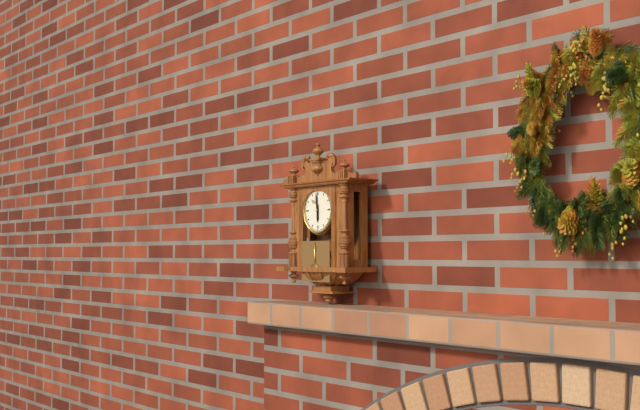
5:59
